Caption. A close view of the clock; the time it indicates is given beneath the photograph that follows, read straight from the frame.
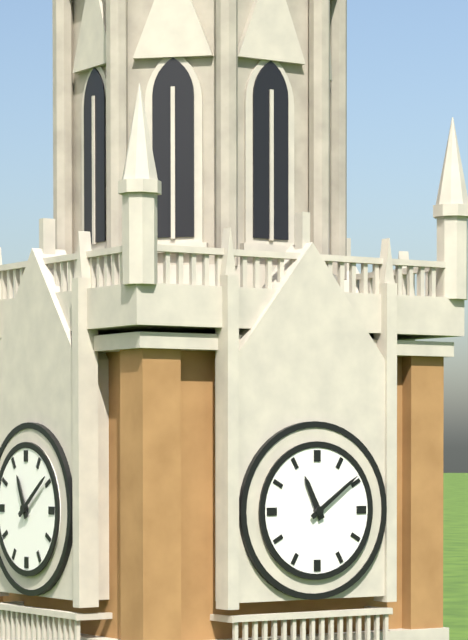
11:09
